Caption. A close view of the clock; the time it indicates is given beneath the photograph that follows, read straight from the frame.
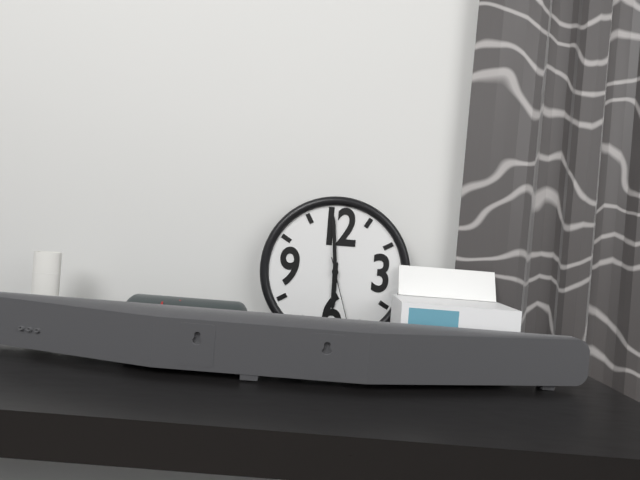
5:59:27
